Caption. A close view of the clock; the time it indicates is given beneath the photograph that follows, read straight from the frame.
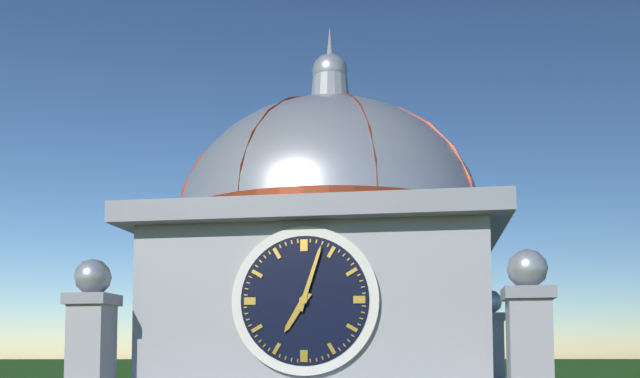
7:03
